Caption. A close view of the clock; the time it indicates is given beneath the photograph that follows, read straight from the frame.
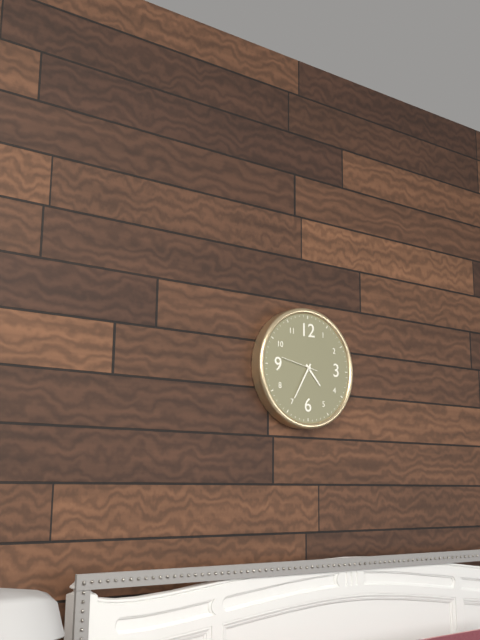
4:35
